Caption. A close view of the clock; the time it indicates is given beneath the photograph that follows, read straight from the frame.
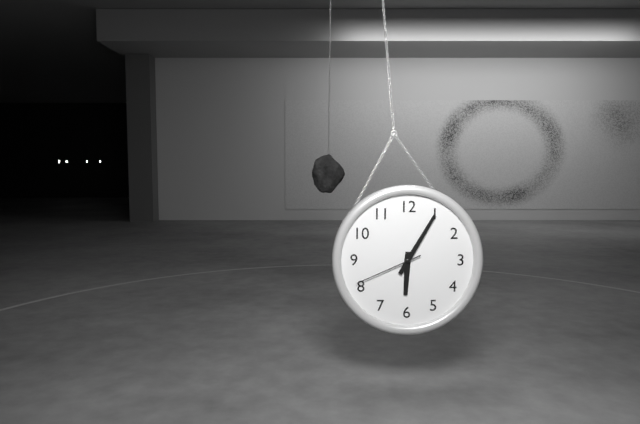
6:05:41
